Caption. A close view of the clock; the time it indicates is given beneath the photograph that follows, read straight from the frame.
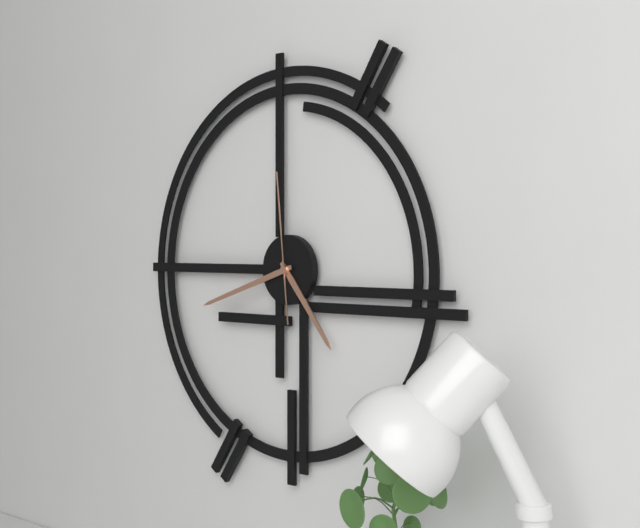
4:42:59
